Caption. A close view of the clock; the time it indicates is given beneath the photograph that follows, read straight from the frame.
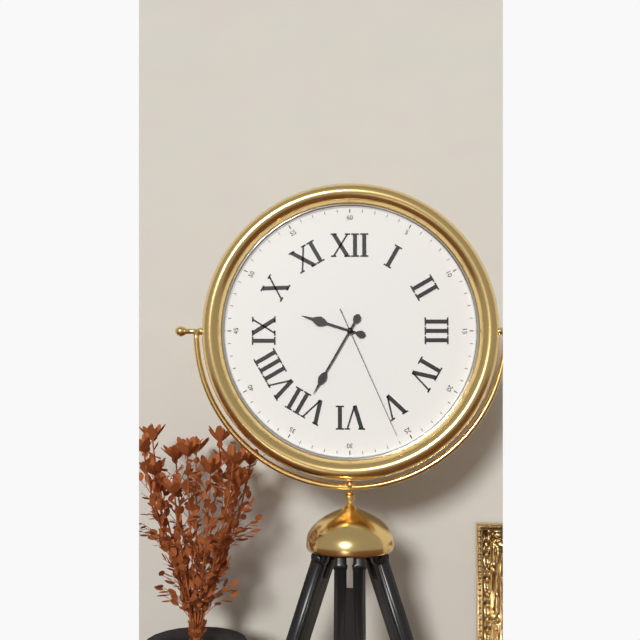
9:35:26
